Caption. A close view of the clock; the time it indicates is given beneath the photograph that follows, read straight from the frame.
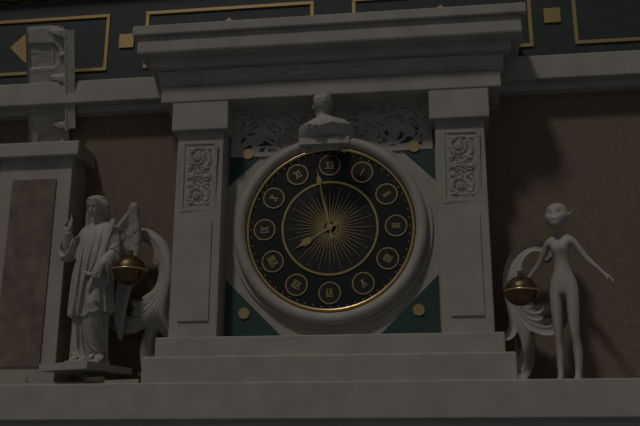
7:58
